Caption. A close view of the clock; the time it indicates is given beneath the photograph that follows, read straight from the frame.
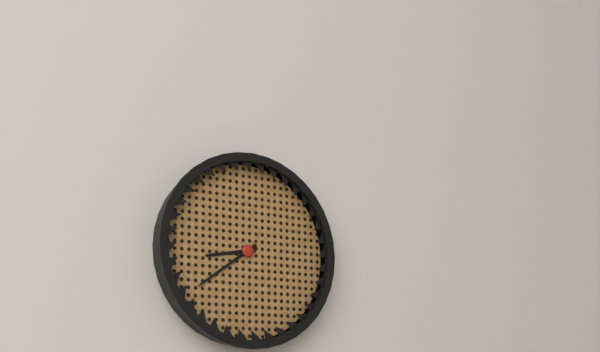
8:39
